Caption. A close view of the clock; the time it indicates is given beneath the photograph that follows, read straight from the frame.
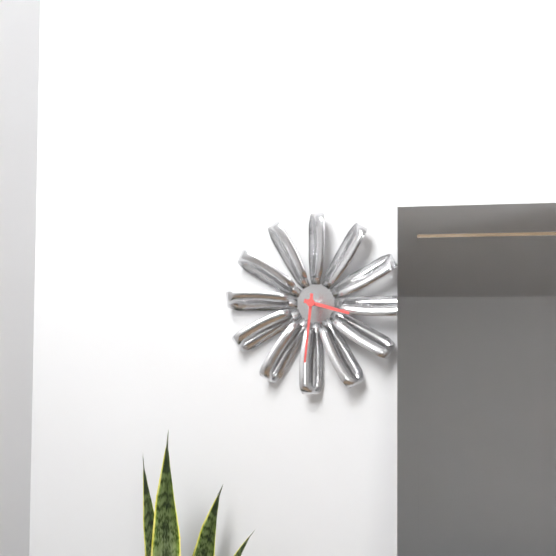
3:31
